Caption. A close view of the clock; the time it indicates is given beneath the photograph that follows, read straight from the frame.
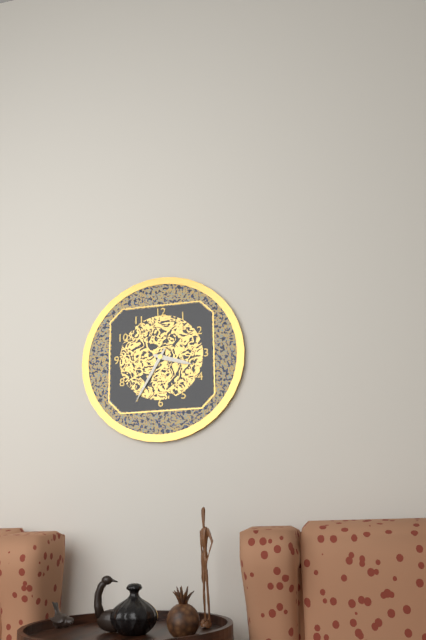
3:35
